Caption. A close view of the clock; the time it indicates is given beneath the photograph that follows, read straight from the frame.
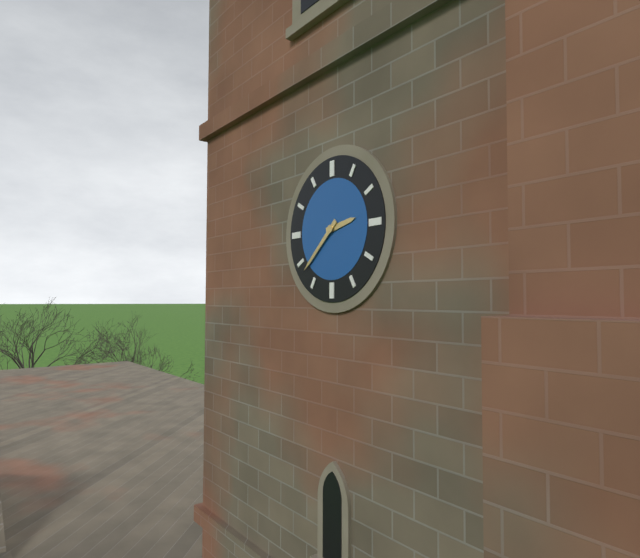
2:38
